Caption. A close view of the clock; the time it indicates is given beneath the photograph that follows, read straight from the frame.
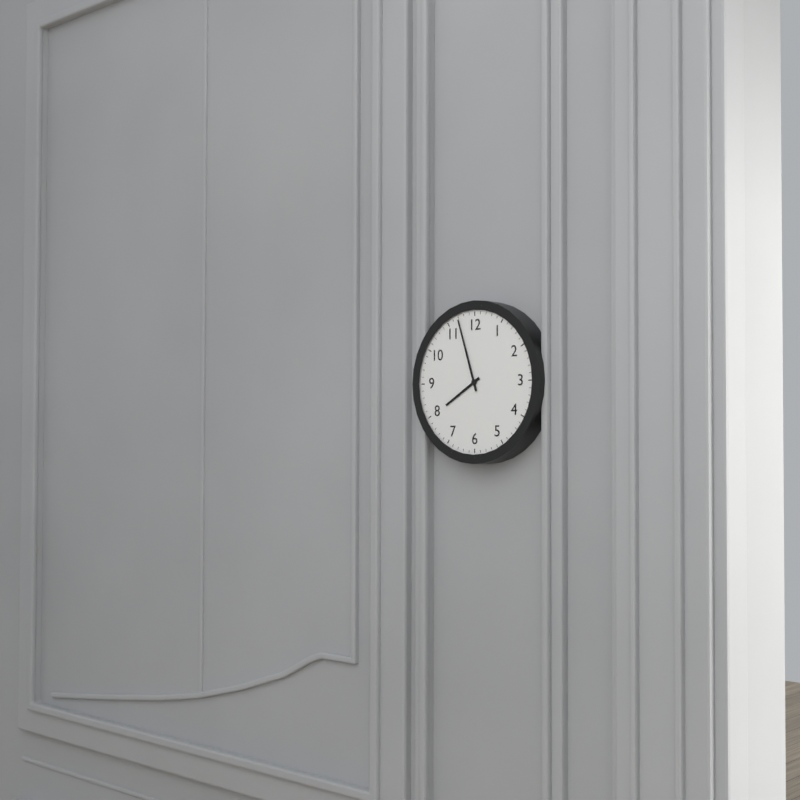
7:57
